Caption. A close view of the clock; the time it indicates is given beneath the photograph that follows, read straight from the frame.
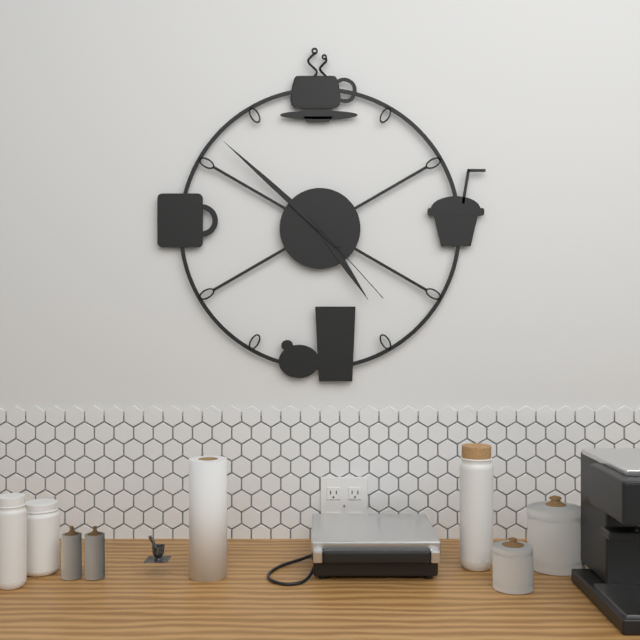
4:52:23
